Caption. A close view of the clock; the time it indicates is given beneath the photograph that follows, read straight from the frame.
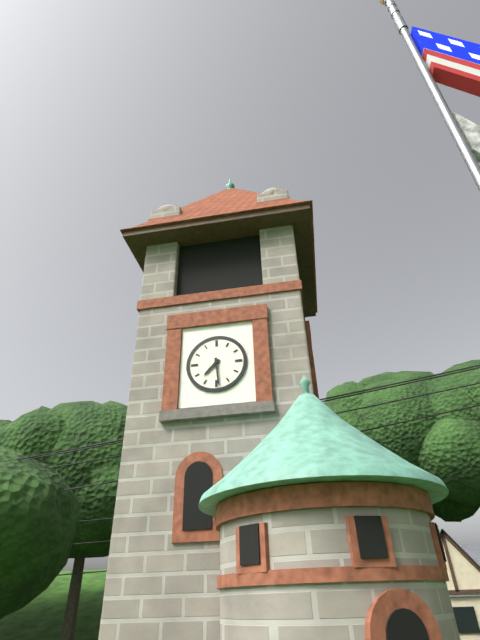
7:29
